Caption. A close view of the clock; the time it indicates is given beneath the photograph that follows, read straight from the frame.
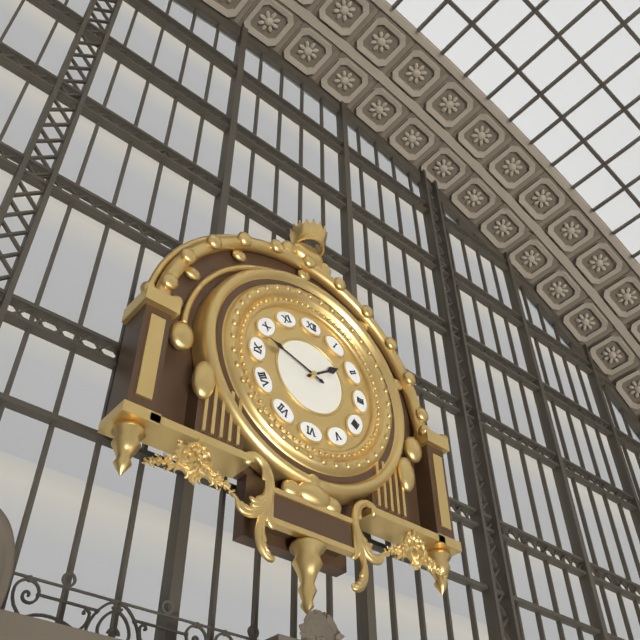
1:48
